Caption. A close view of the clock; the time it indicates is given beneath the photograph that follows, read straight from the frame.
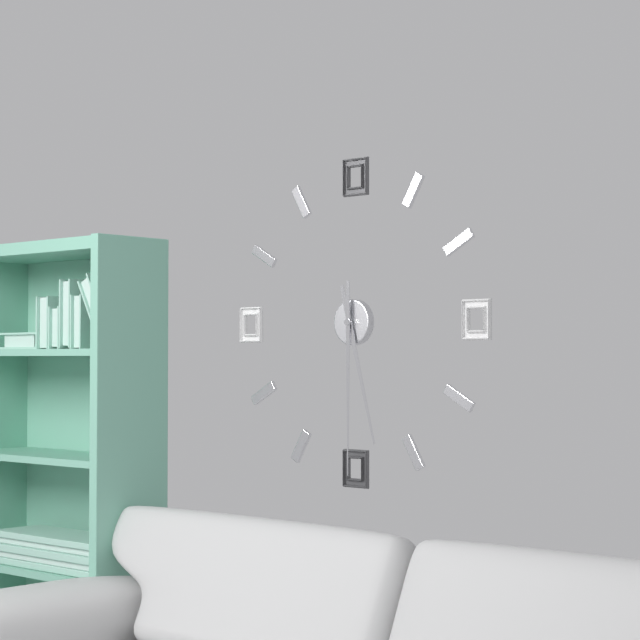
5:30
